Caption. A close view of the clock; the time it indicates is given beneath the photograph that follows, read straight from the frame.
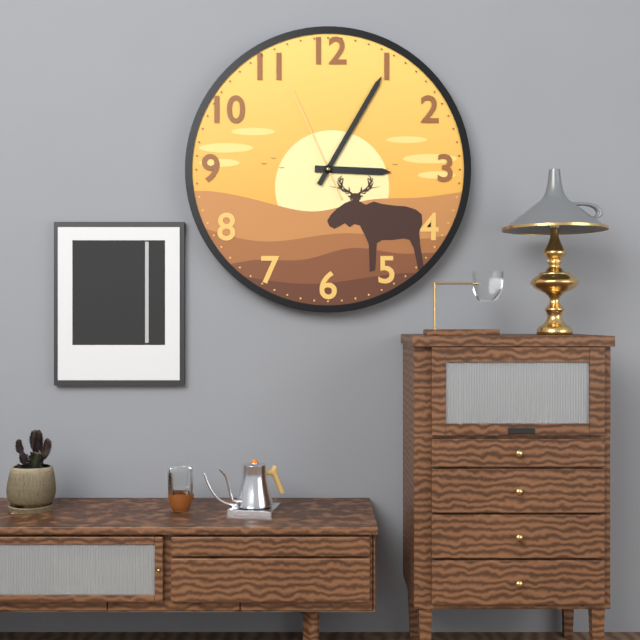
3:05:56
